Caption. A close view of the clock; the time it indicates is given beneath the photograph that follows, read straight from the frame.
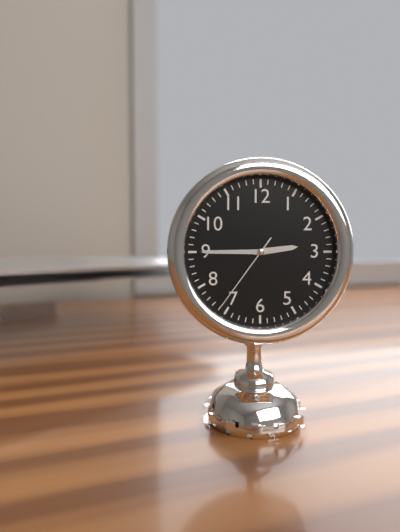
2:45:36
